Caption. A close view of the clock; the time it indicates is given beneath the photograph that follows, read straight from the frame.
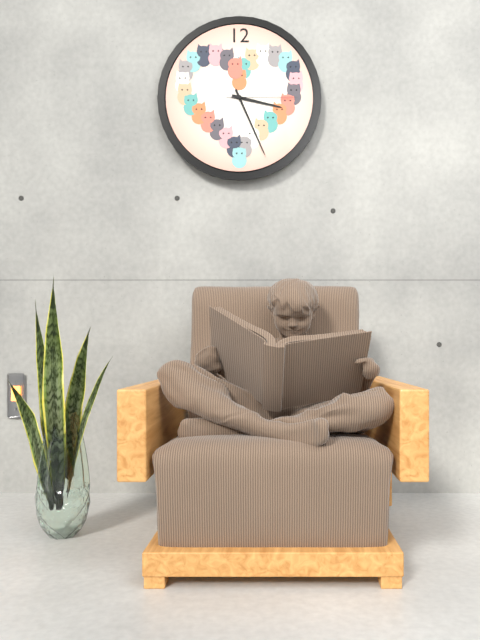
3:26:15
